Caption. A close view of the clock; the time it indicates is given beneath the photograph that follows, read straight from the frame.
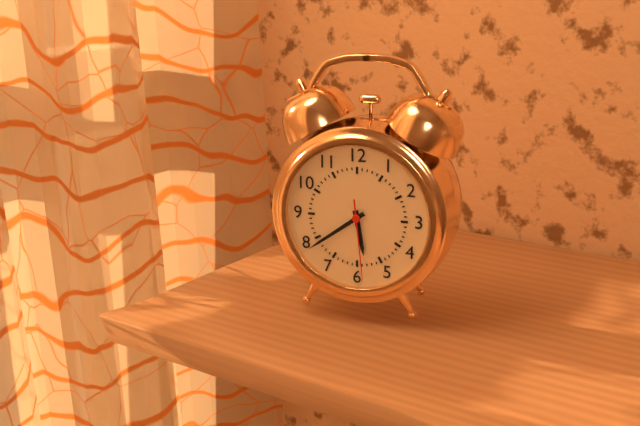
5:39:29
